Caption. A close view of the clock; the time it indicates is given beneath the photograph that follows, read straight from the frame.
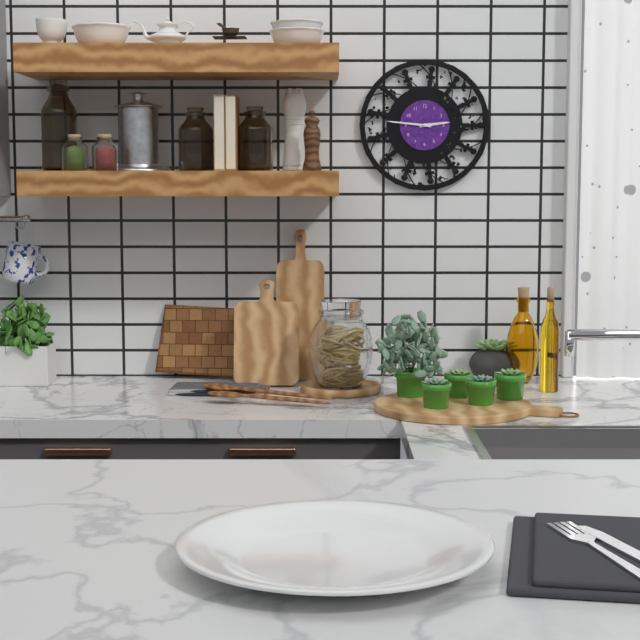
2:46
